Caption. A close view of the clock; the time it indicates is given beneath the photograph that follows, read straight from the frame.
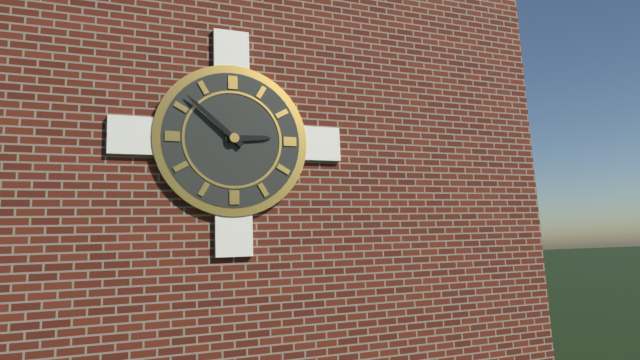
2:52
